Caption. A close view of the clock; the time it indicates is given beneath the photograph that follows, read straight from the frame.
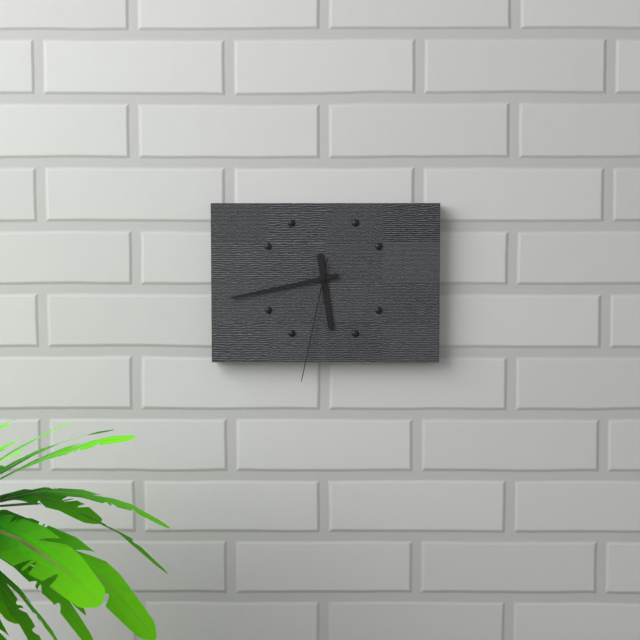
5:43:32
